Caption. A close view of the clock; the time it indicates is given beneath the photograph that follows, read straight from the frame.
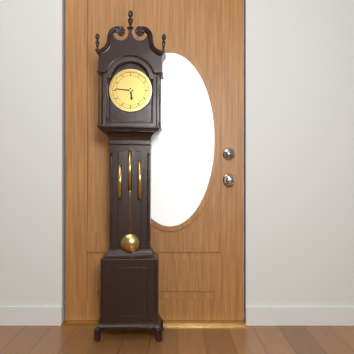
5:46
